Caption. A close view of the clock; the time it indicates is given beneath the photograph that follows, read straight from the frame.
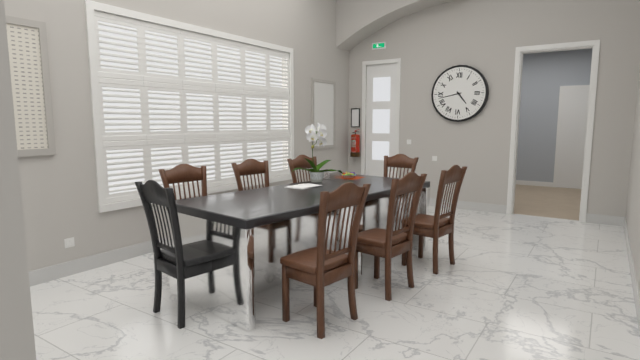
4:43
